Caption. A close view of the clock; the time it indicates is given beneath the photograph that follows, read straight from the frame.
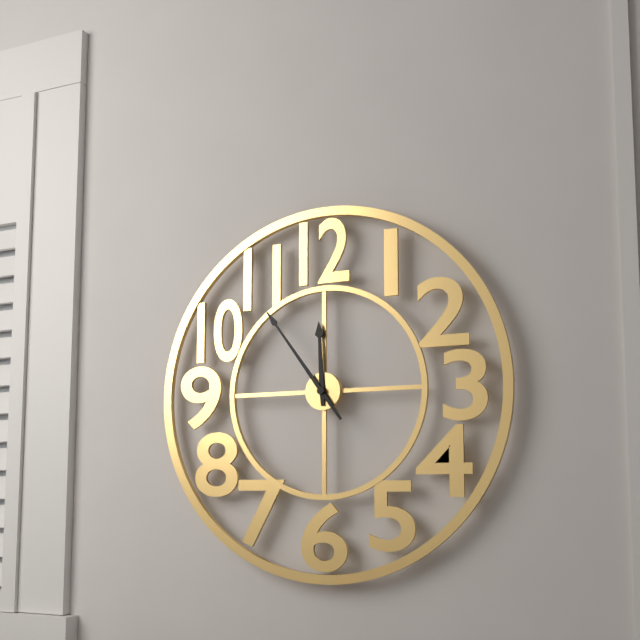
11:54
